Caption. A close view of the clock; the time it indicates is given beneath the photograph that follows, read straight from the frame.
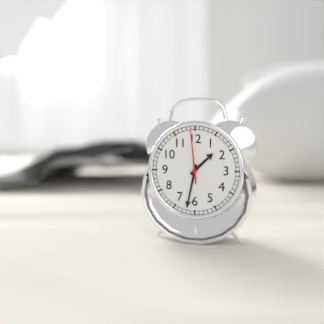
1:32:59
